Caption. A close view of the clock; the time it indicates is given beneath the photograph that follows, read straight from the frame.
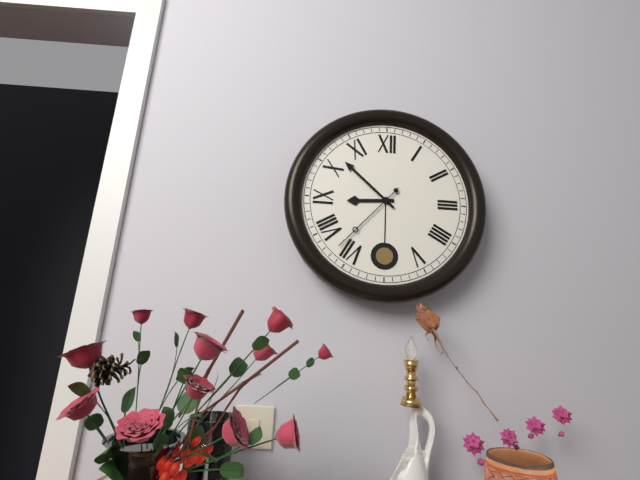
8:52:37
